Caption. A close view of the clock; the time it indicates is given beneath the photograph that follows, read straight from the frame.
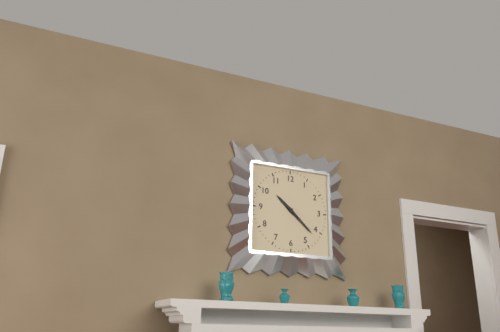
10:22
